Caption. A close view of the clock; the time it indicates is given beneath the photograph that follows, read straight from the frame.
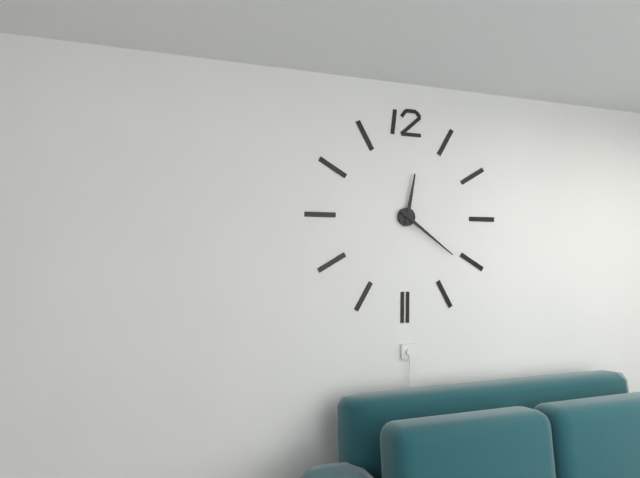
12:21
